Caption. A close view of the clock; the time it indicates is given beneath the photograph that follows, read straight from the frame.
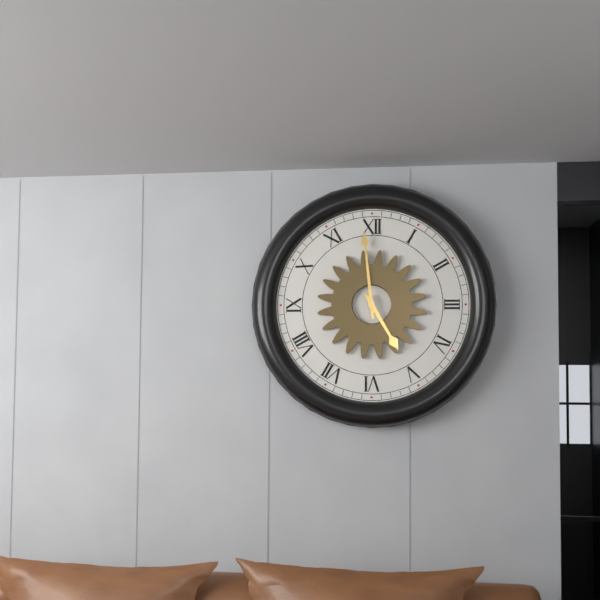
4:59
